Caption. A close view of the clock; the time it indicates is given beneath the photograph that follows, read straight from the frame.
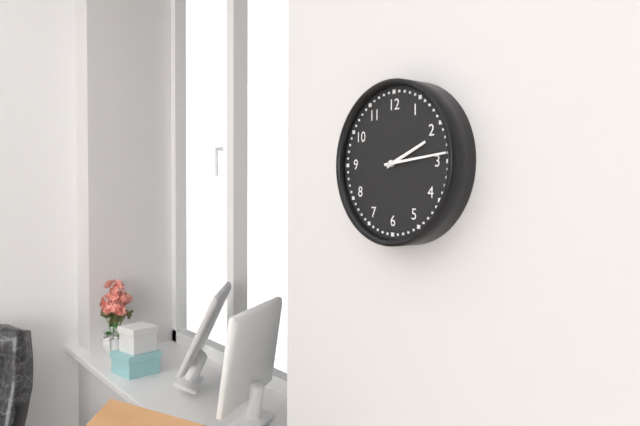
2:14
